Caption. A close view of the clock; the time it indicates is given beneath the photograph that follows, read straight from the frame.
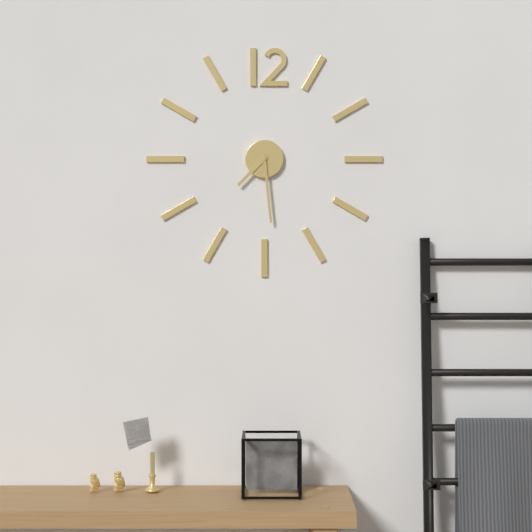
7:29
